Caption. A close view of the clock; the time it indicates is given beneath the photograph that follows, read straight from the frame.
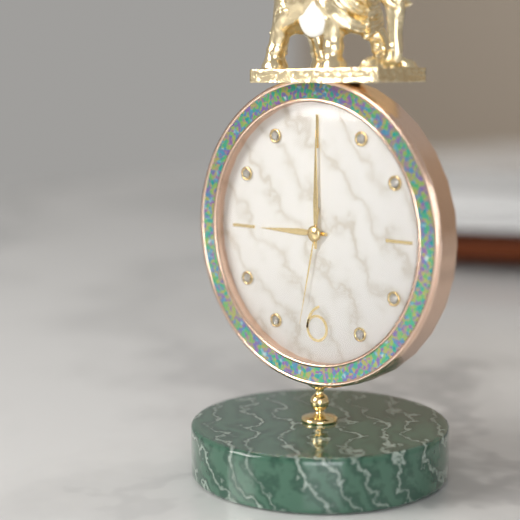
9:00:32
